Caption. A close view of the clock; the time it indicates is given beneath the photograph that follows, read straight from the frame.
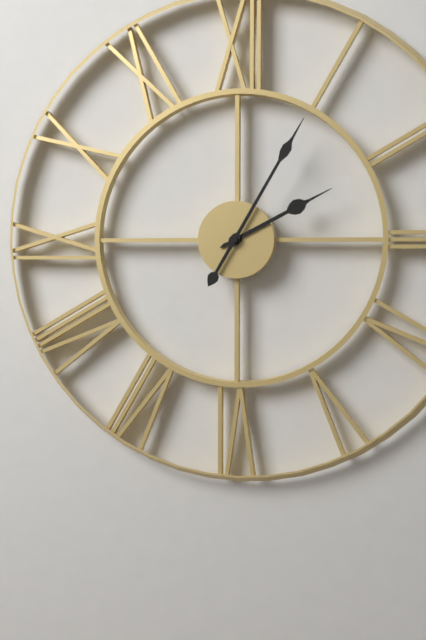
2:05
